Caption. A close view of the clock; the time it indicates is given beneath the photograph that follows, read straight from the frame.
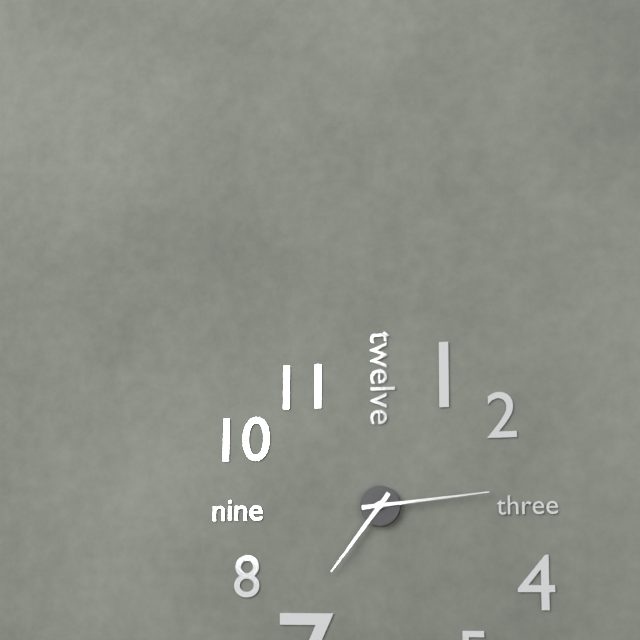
7:14
